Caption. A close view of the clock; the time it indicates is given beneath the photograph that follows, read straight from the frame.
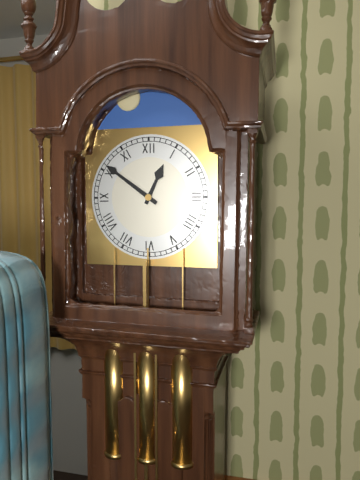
12:51
